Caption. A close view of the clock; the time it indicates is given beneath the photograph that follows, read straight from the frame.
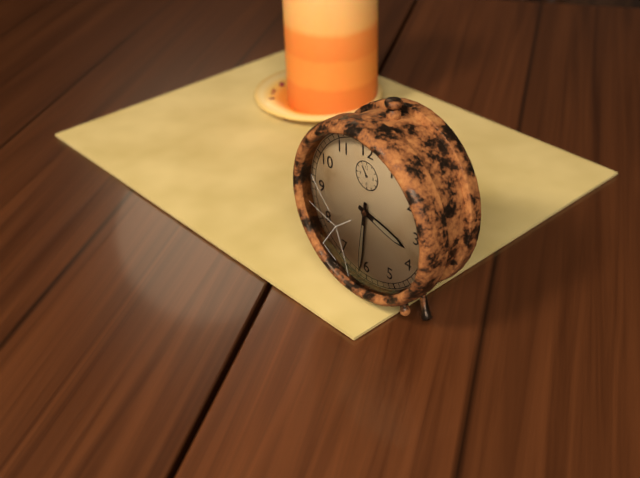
3:31
